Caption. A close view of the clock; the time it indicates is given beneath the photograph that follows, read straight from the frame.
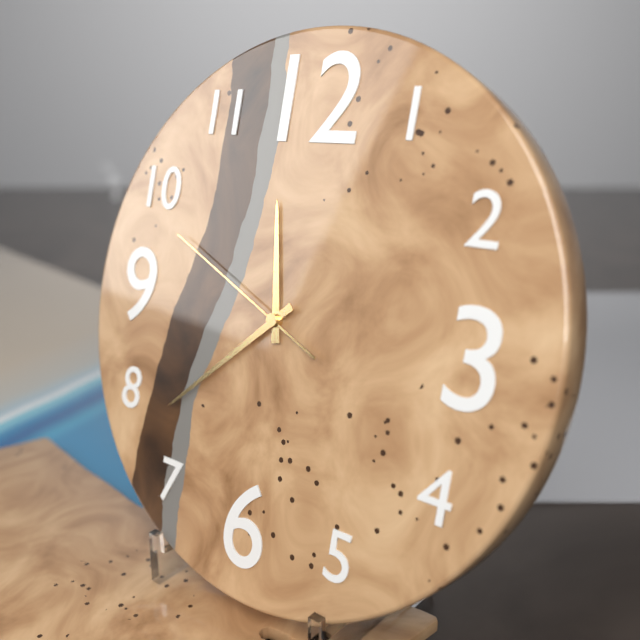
11:38:49
